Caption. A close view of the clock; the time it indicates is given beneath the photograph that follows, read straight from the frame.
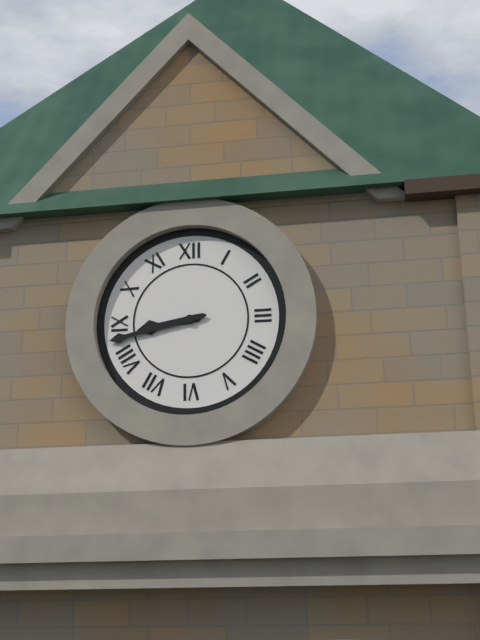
8:43
